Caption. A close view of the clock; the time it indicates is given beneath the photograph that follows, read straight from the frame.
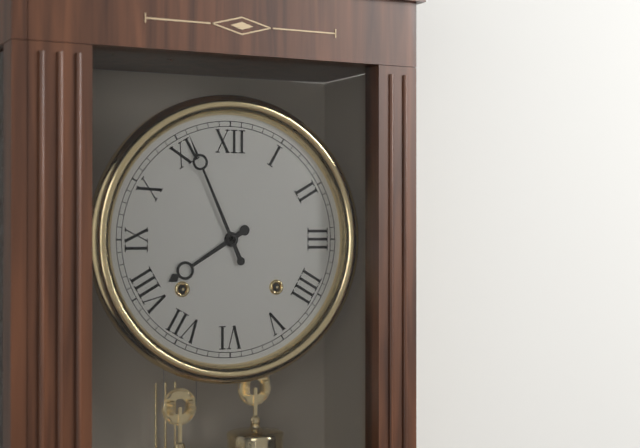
7:56
